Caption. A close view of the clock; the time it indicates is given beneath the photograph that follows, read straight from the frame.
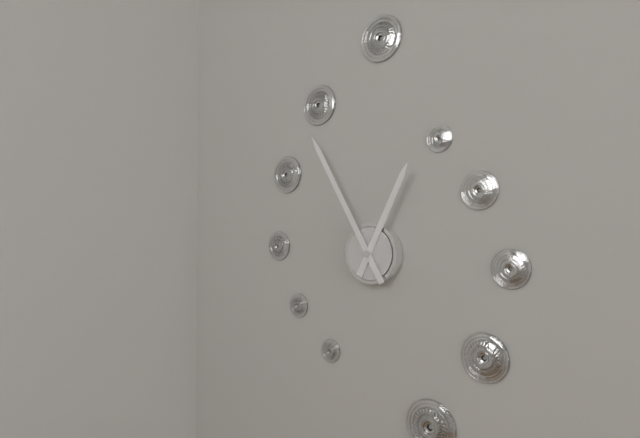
12:55
